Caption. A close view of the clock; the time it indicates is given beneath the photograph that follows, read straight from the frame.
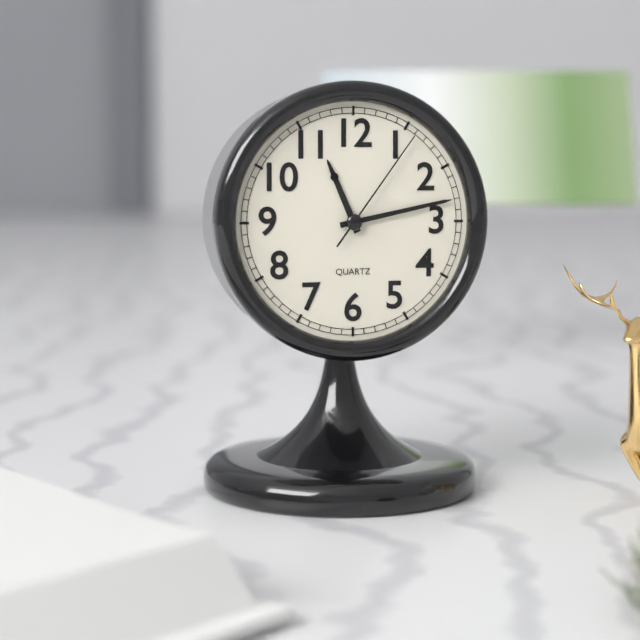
11:13:06
